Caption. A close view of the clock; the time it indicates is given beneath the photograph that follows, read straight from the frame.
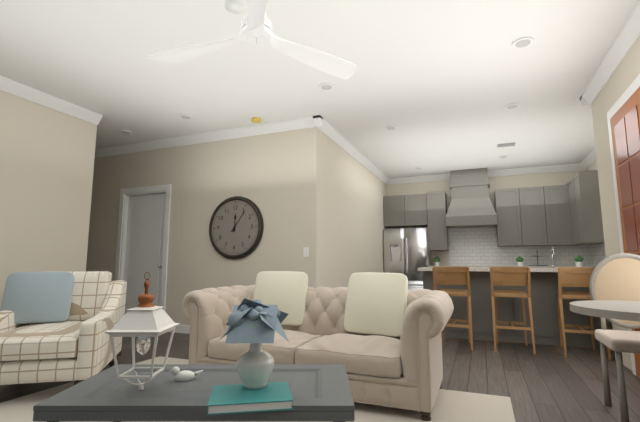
12:06
